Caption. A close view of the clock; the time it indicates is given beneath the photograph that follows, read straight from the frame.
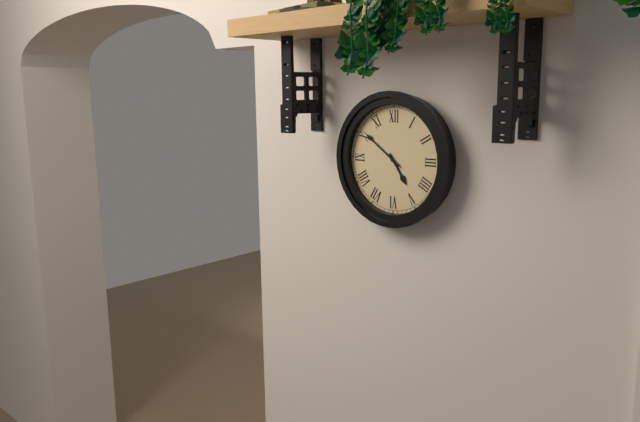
4:51
